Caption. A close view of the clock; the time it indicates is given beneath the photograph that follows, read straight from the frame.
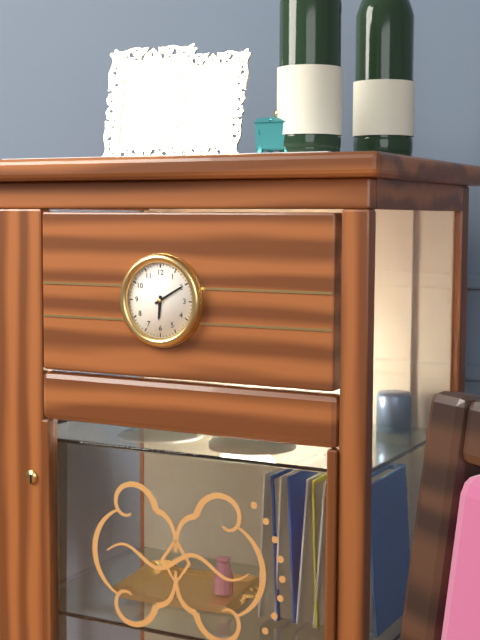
6:10
